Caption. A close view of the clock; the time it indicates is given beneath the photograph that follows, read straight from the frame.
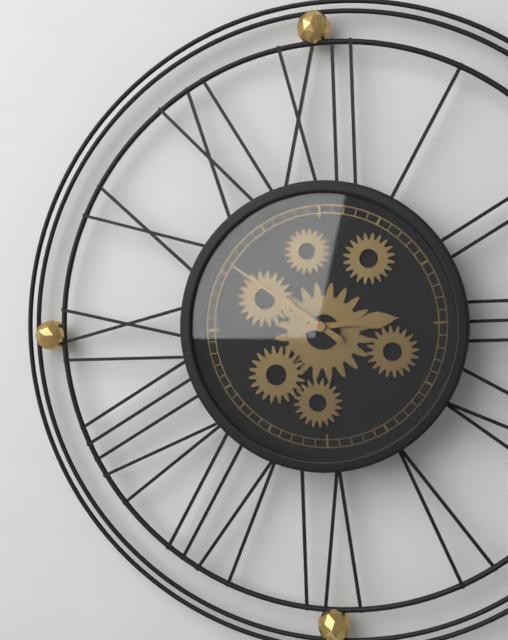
2:51
